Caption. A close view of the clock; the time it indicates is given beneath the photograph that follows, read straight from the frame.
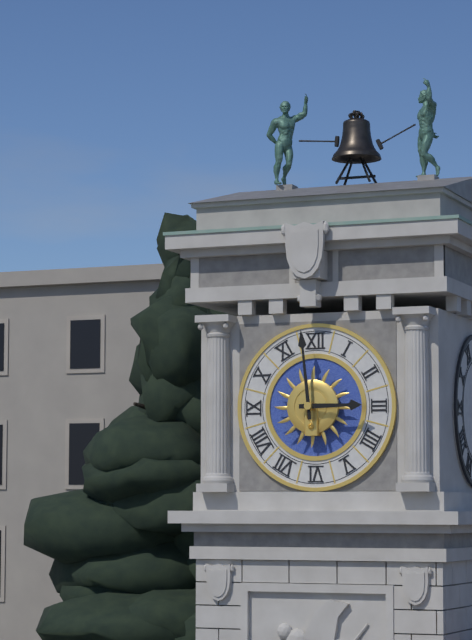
2:59
